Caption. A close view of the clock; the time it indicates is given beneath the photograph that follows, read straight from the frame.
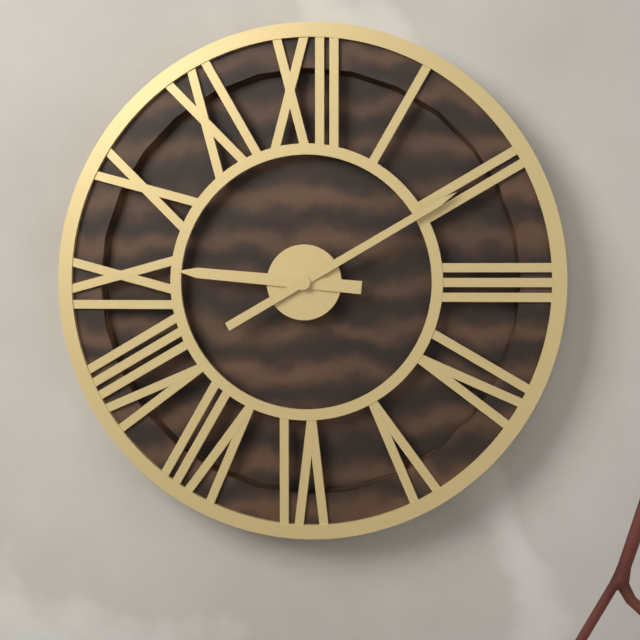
9:10
